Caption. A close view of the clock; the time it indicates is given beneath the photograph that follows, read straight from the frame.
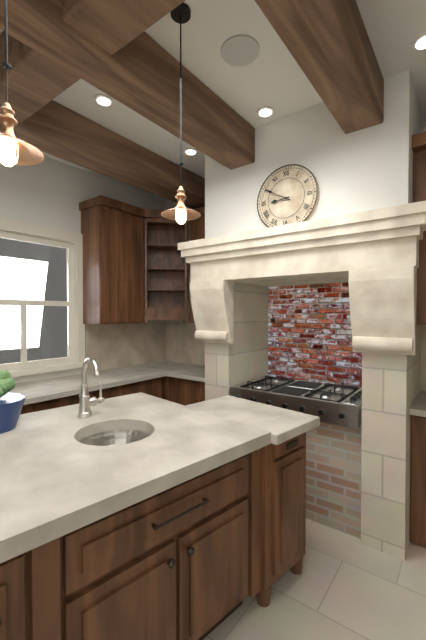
8:50
